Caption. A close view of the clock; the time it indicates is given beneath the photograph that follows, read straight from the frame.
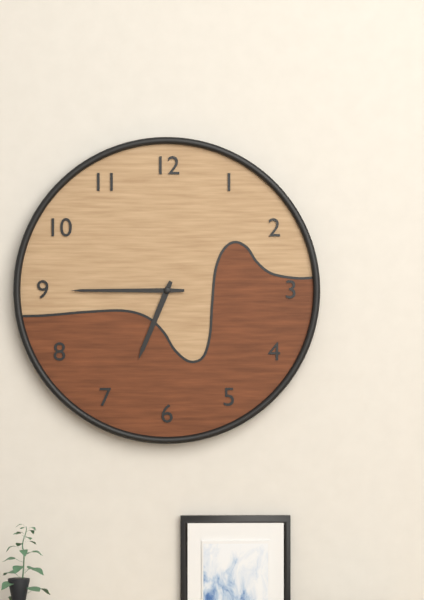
6:45
